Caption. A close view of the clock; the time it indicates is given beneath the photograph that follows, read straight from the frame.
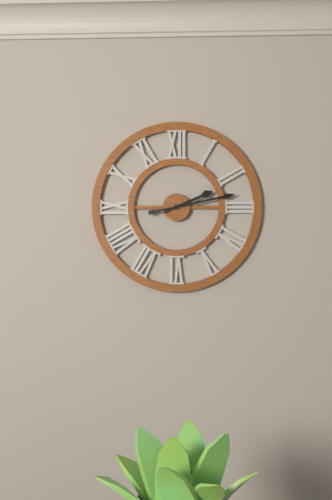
2:13
